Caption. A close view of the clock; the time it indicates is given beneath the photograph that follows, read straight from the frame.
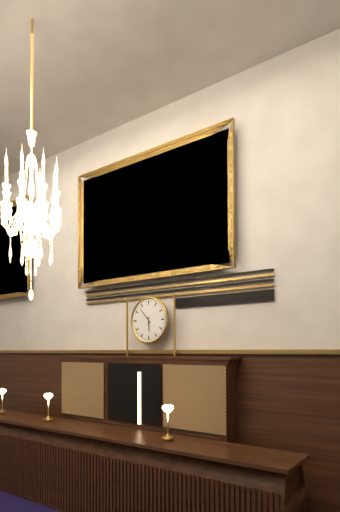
5:53
